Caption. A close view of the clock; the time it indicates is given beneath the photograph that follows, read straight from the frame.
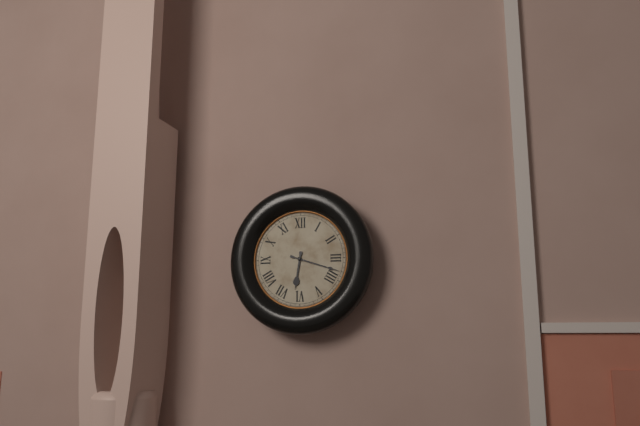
6:18
